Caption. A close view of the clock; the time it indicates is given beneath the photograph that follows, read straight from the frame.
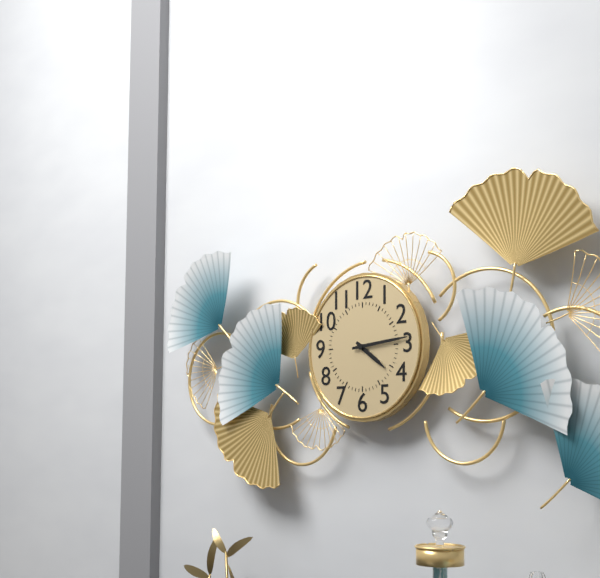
4:14
